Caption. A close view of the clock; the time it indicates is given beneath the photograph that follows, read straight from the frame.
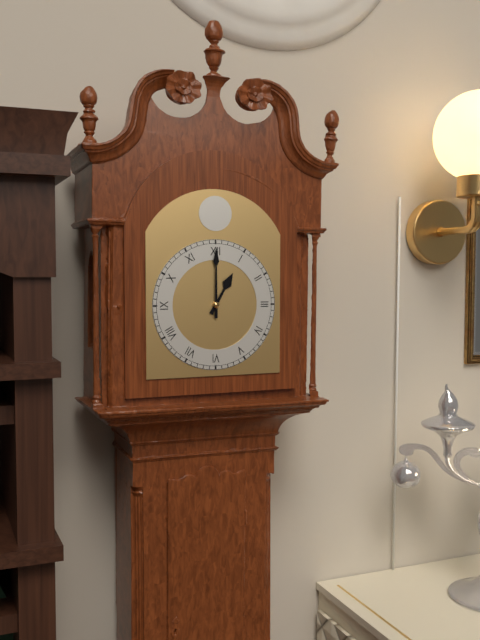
1:00
